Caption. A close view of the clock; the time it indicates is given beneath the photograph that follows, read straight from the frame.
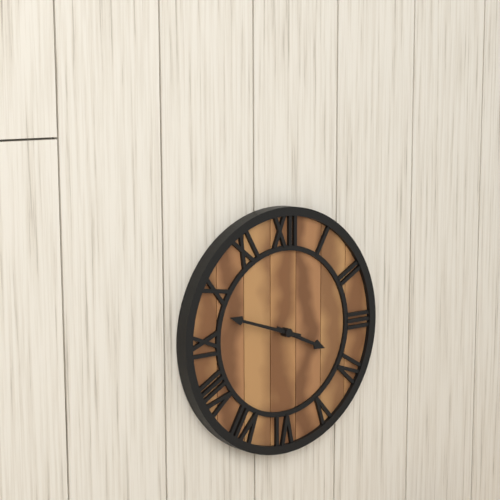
3:48
